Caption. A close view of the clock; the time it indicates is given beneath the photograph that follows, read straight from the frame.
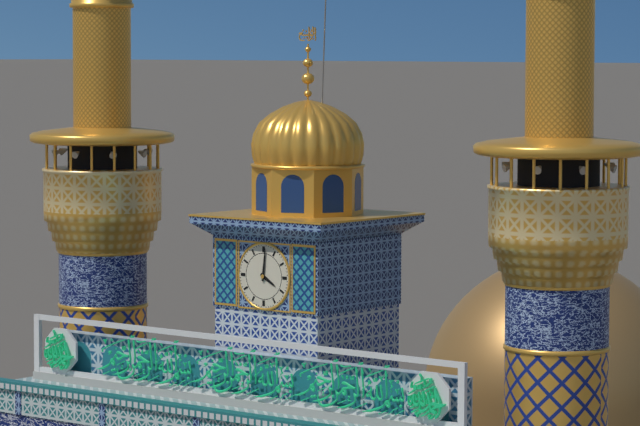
4:01
